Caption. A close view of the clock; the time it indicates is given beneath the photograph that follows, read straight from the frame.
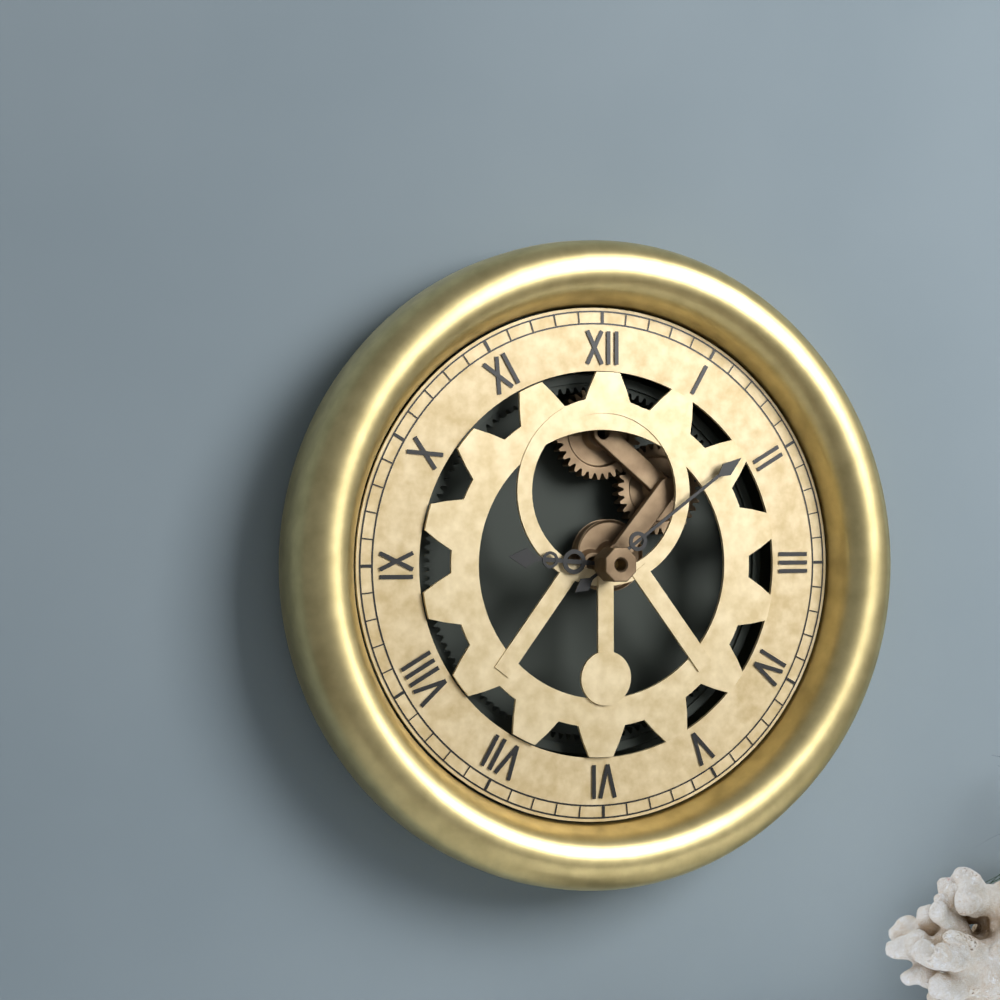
9:09
